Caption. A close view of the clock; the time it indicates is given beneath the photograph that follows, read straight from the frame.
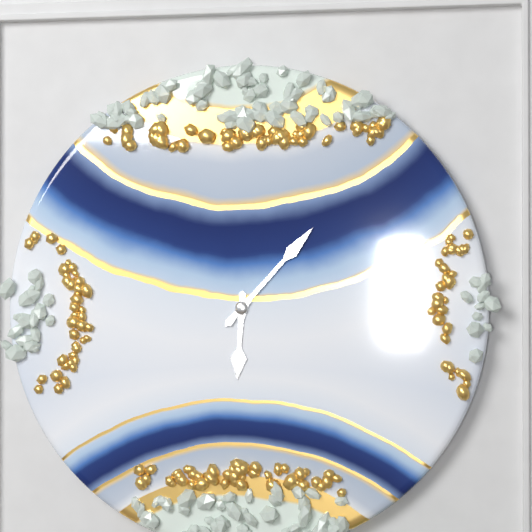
6:07
